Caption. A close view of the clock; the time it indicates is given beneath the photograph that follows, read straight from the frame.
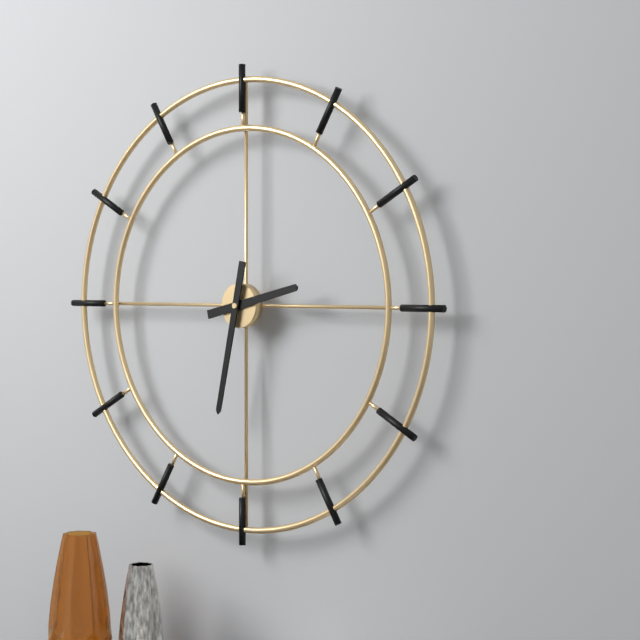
2:32
